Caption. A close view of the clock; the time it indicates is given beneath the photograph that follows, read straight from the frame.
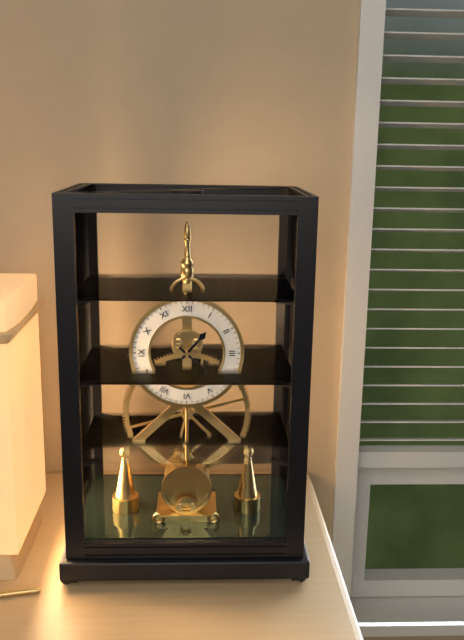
1:22
